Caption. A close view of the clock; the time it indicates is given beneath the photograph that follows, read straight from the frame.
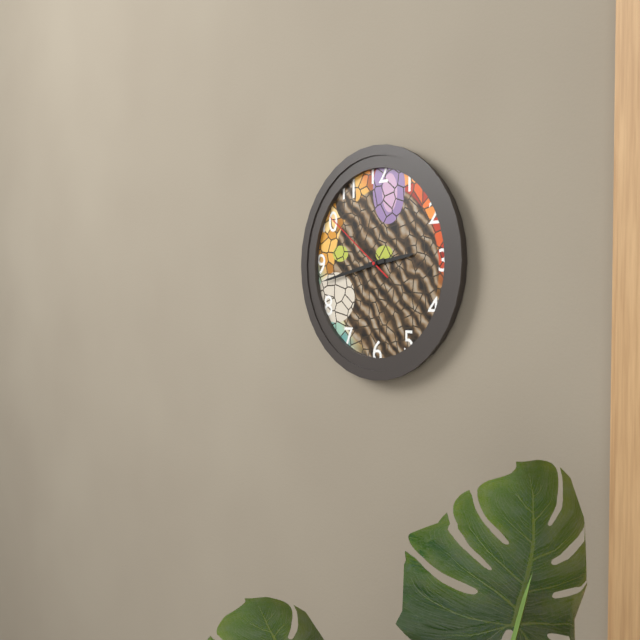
2:43:51
